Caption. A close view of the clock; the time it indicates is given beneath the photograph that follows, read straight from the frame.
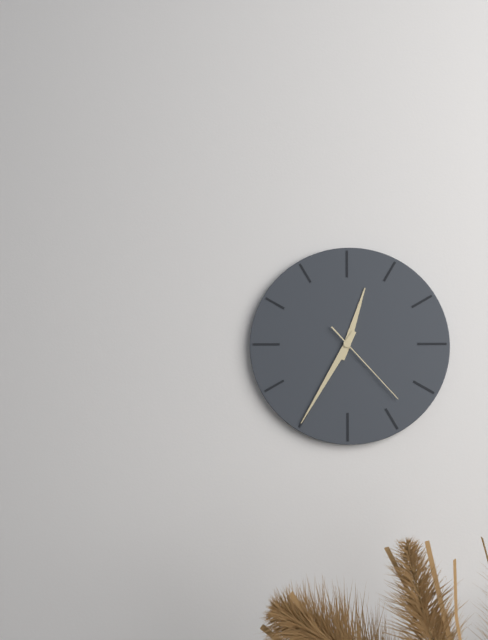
12:35:23
